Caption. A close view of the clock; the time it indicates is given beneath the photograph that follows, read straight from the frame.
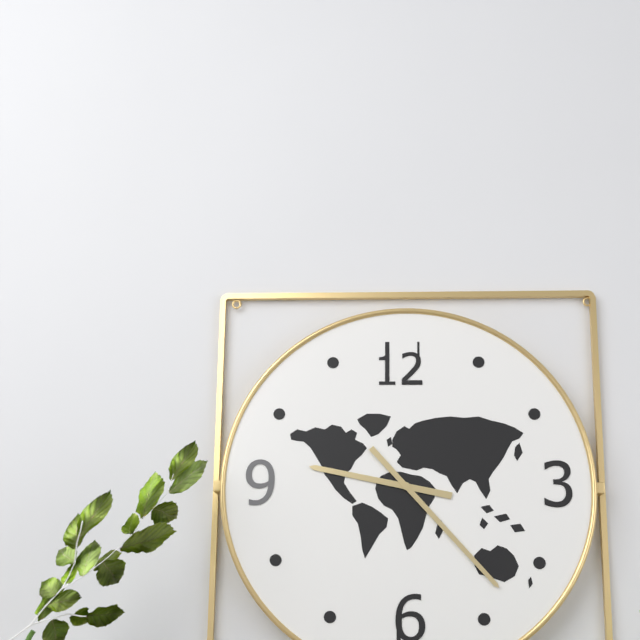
9:23
